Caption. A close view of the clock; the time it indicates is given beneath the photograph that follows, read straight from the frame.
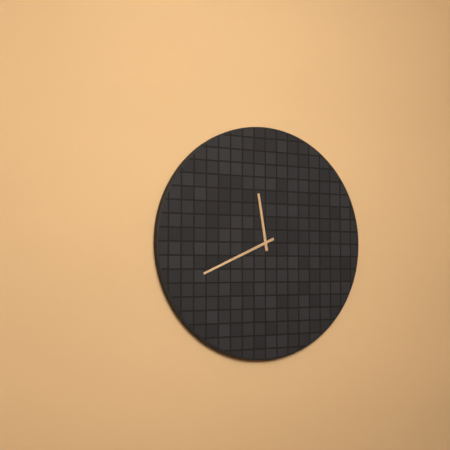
11:41
